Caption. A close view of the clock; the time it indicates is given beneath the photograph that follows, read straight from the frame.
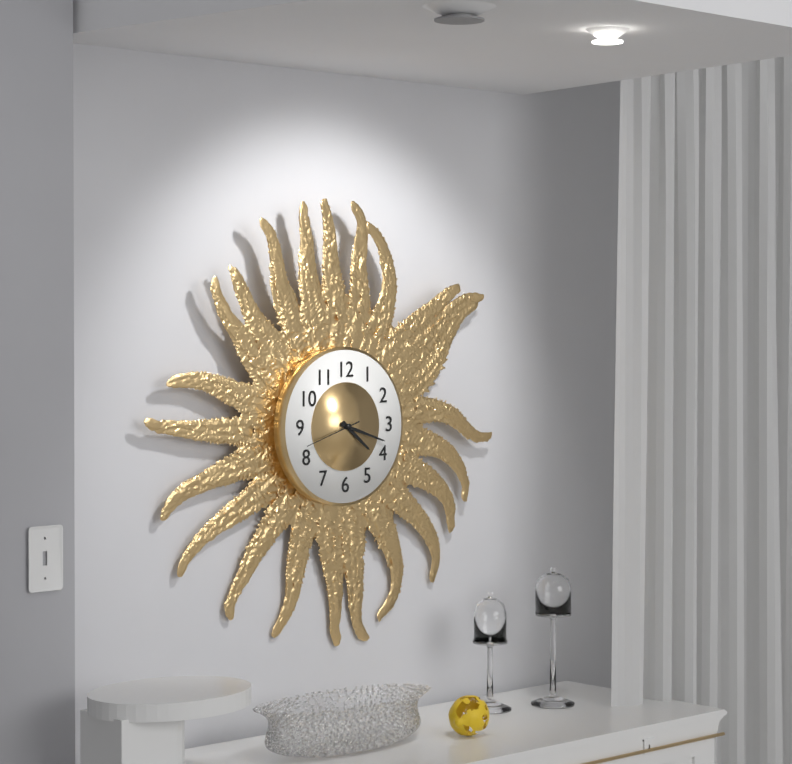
4:18
